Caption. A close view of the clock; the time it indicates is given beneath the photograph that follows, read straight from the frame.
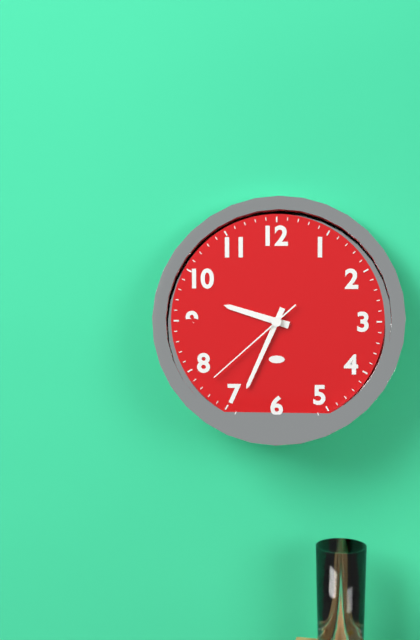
9:34:38
